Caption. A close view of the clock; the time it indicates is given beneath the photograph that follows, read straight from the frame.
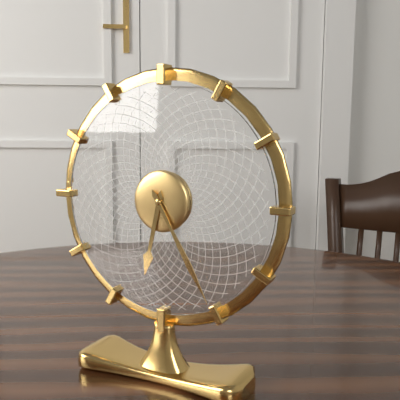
6:25
